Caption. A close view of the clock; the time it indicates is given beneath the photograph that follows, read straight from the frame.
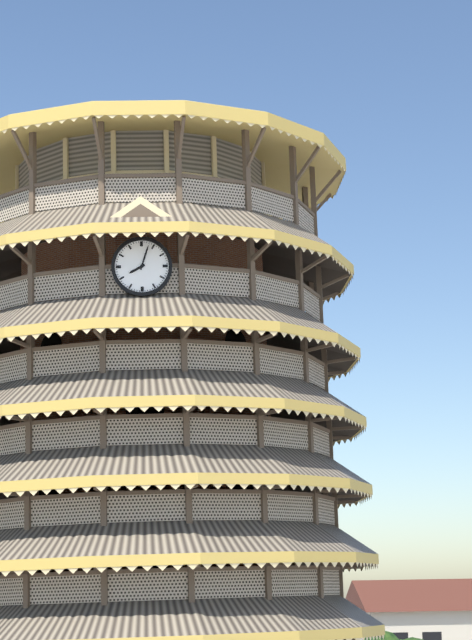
8:03
